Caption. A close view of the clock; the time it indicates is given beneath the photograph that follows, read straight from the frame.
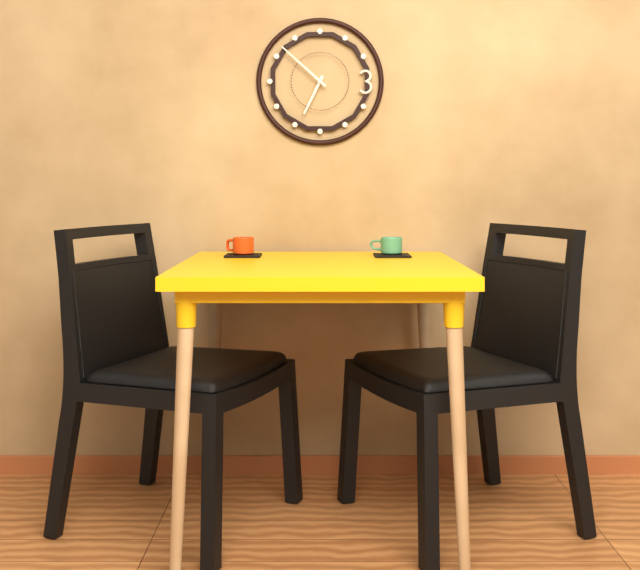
6:52
